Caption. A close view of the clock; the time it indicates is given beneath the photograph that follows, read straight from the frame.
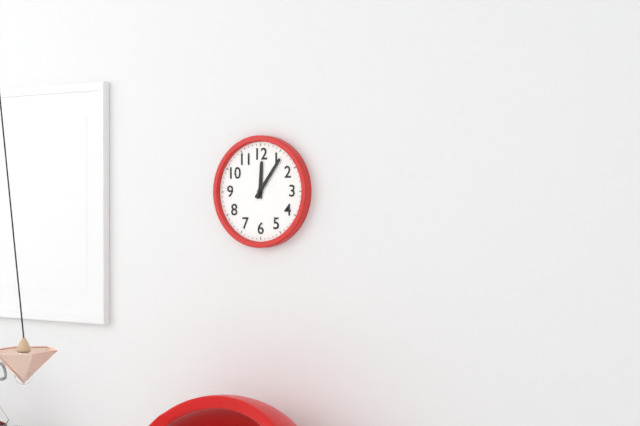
12:06
